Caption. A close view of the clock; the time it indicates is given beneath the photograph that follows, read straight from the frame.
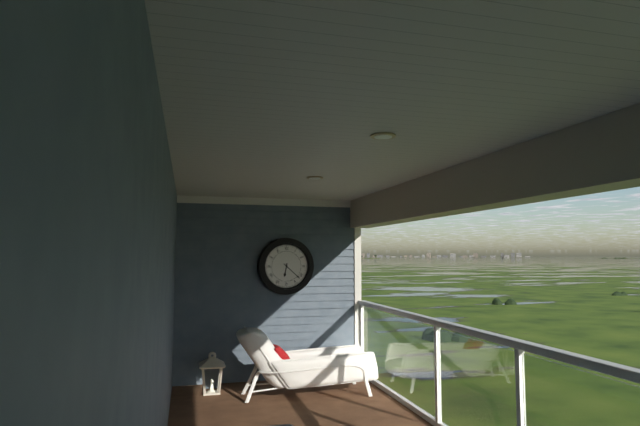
6:22
